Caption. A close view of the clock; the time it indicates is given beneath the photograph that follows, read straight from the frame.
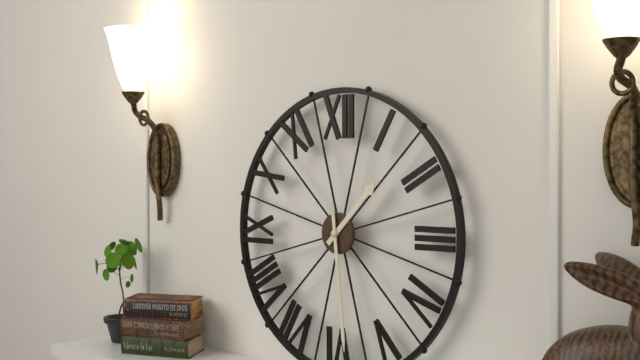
1:29
